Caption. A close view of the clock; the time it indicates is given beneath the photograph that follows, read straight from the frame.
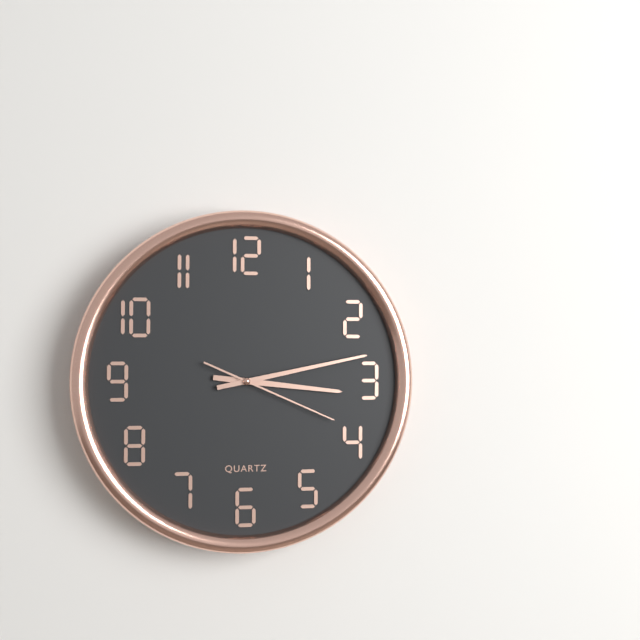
3:13:19
